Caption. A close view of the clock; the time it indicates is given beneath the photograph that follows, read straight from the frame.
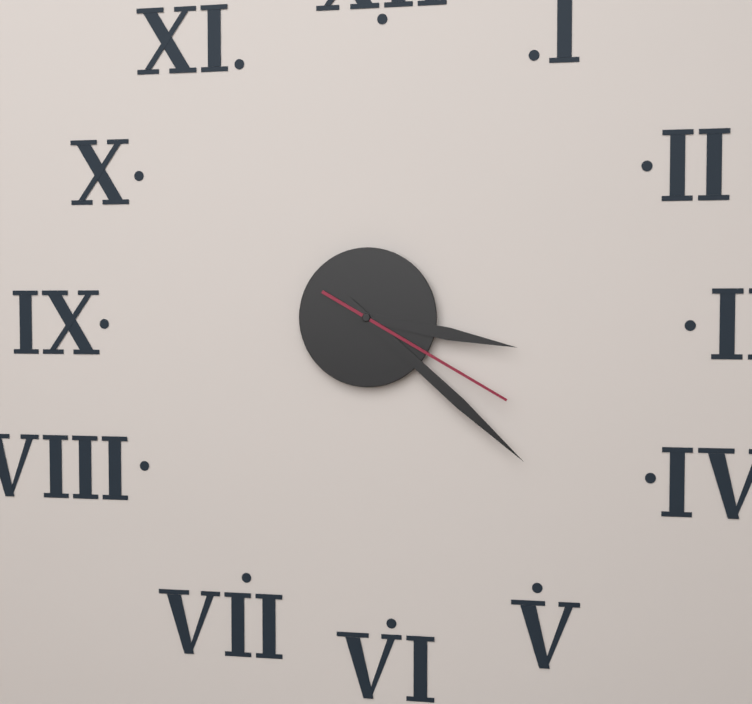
3:22:20
